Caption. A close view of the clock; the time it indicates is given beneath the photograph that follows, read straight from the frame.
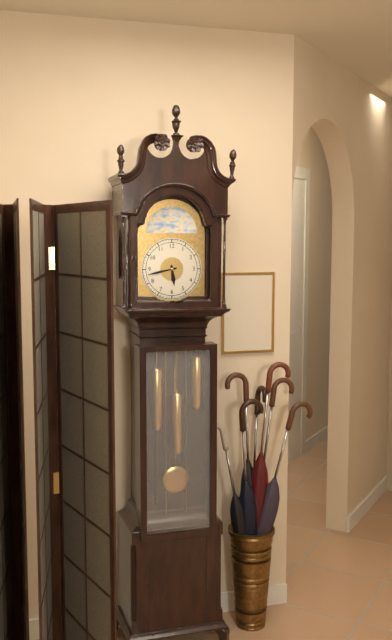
5:43
